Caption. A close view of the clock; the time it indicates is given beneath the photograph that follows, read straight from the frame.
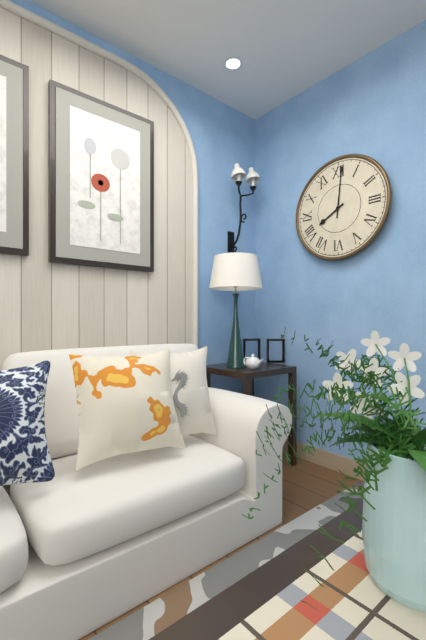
8:01
